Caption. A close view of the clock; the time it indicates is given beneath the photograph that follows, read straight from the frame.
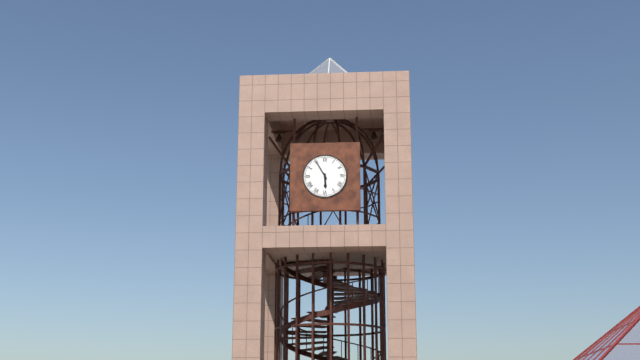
5:55
